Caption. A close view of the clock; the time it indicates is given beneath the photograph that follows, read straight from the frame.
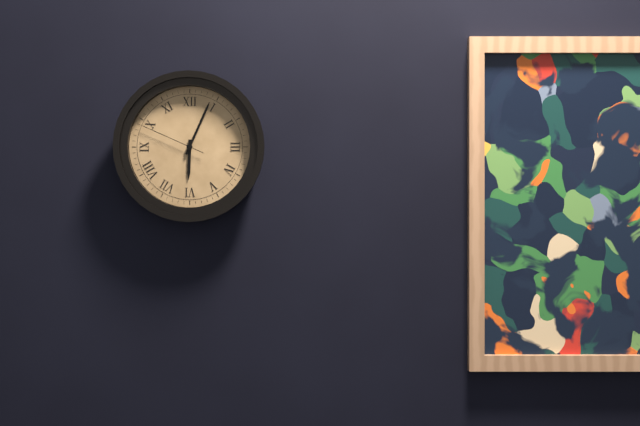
6:04:49
